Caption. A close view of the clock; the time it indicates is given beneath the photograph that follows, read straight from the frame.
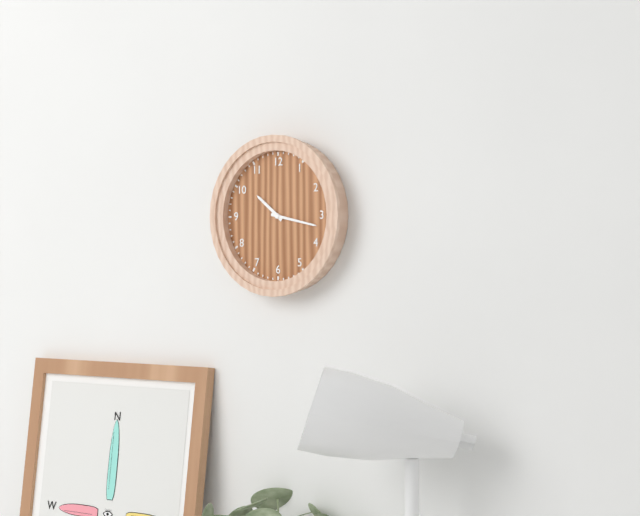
10:17
